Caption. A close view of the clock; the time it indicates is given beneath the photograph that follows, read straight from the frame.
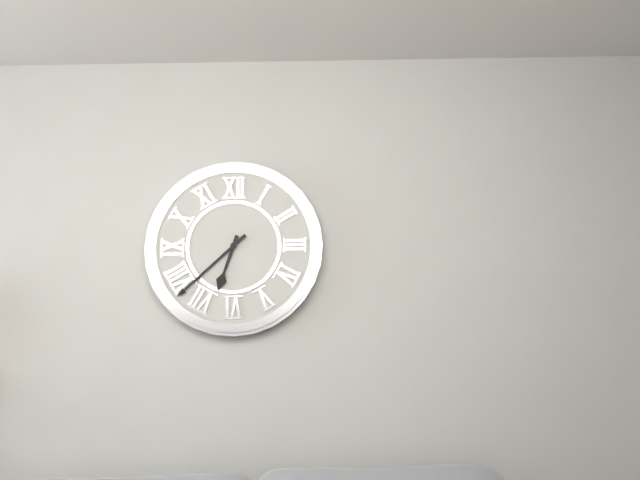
6:38
